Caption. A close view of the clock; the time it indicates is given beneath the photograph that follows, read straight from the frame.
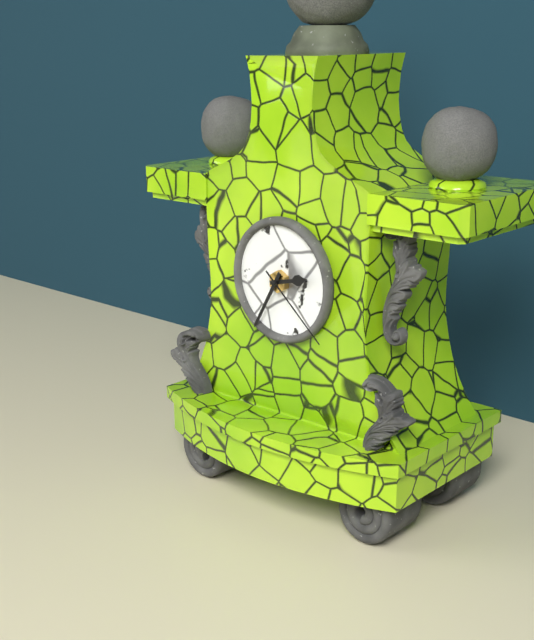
2:35:22
